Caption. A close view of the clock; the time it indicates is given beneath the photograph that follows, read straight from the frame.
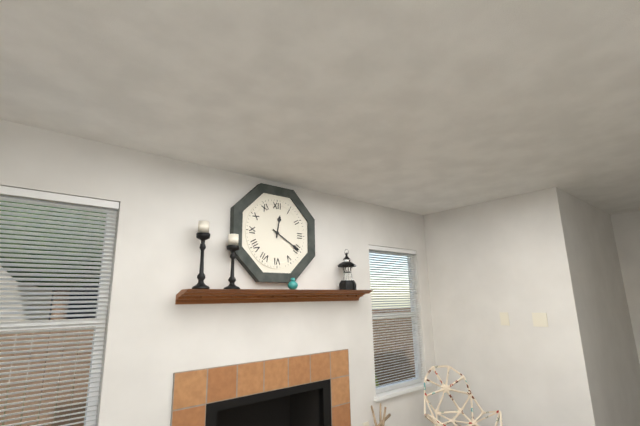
12:20
